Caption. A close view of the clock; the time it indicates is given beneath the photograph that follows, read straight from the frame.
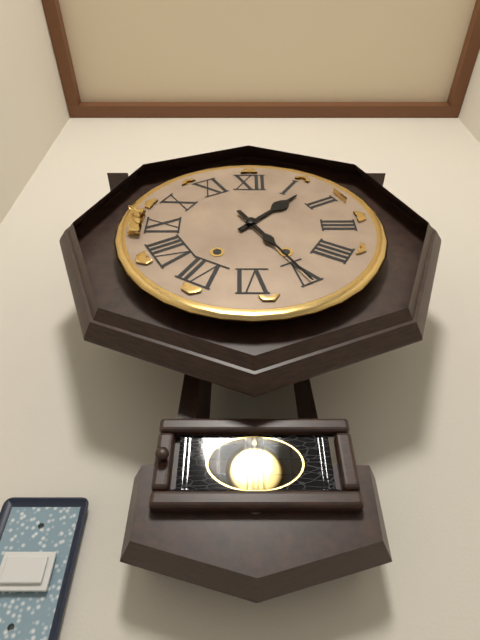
1:25
